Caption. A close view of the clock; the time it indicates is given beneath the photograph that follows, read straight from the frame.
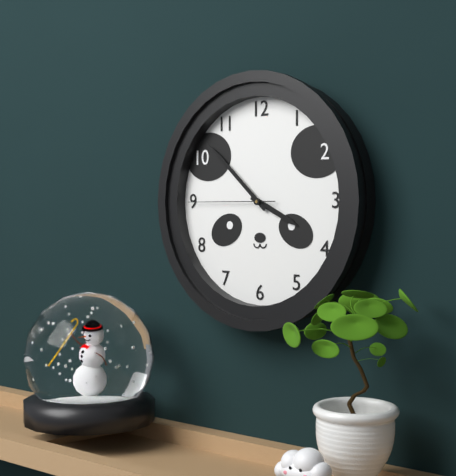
3:52:45
